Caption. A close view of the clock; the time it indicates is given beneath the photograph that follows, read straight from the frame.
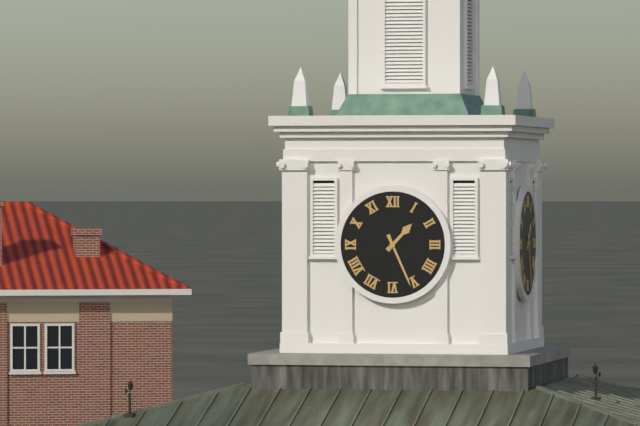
1:26
